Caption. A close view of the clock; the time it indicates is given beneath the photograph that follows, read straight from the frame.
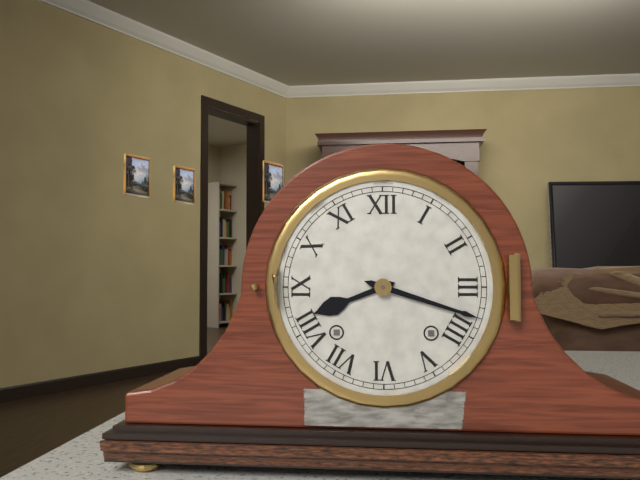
8:18
